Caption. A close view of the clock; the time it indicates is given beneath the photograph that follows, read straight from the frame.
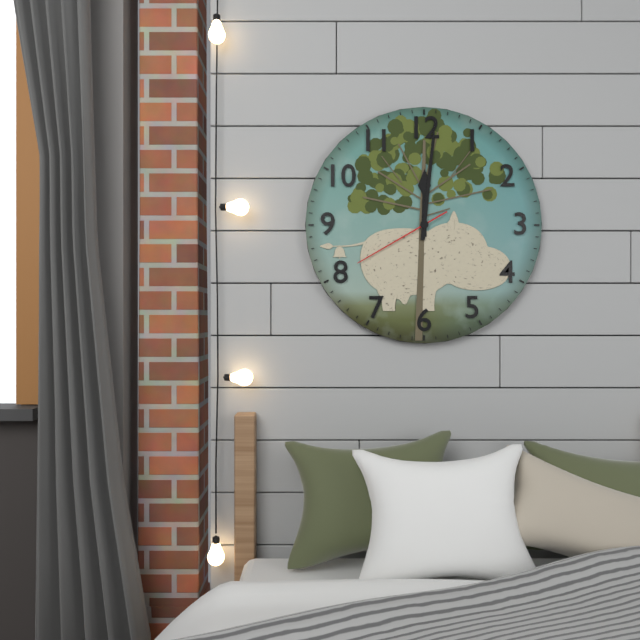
12:01:40
